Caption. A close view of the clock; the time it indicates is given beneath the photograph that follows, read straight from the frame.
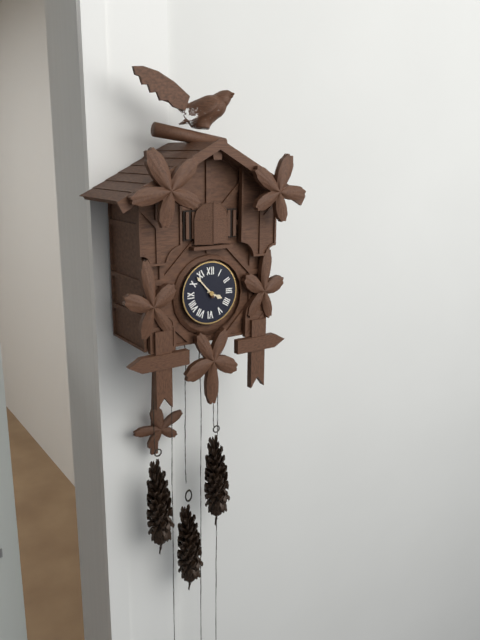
3:53
